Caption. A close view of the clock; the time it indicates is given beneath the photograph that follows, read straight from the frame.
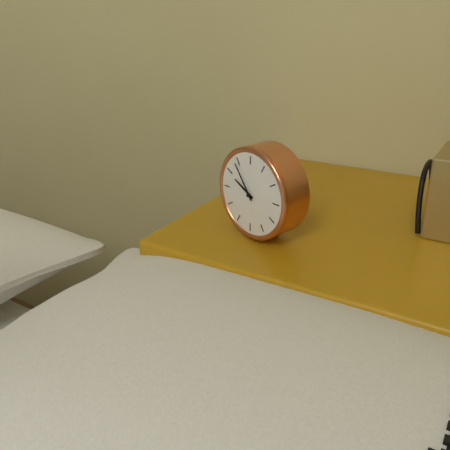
9:54
